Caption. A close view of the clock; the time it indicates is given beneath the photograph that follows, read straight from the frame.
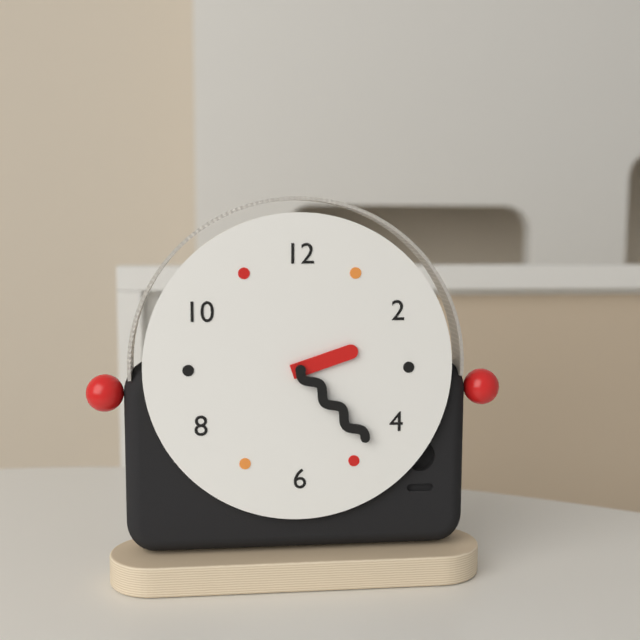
2:23
